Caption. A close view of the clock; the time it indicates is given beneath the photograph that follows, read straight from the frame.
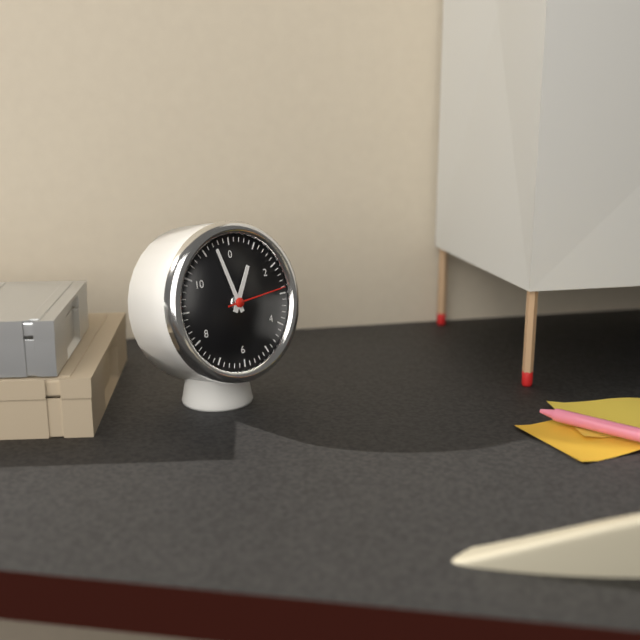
12:57:14
